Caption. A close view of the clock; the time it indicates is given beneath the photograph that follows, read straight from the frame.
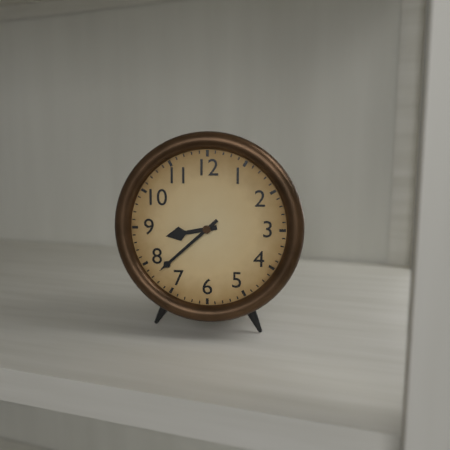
8:38
